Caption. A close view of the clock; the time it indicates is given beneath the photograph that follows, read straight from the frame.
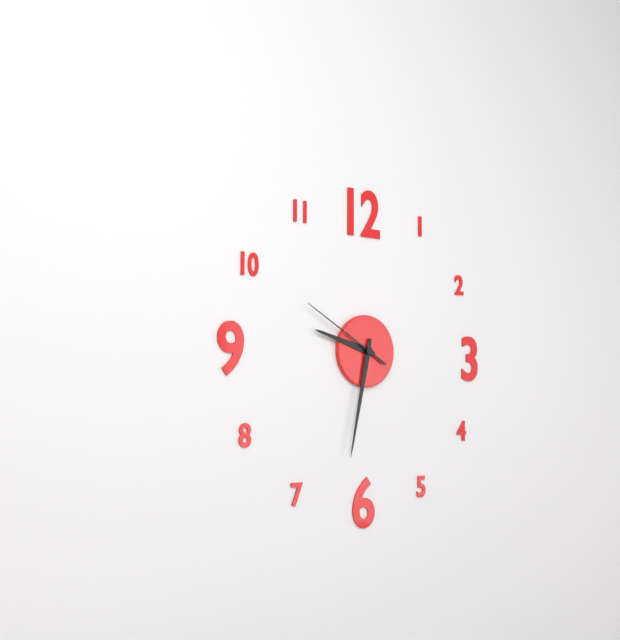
9:32:50
